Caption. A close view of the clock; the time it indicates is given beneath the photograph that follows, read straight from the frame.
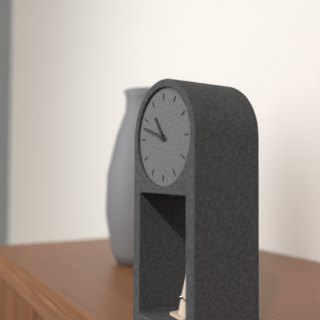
10:48
